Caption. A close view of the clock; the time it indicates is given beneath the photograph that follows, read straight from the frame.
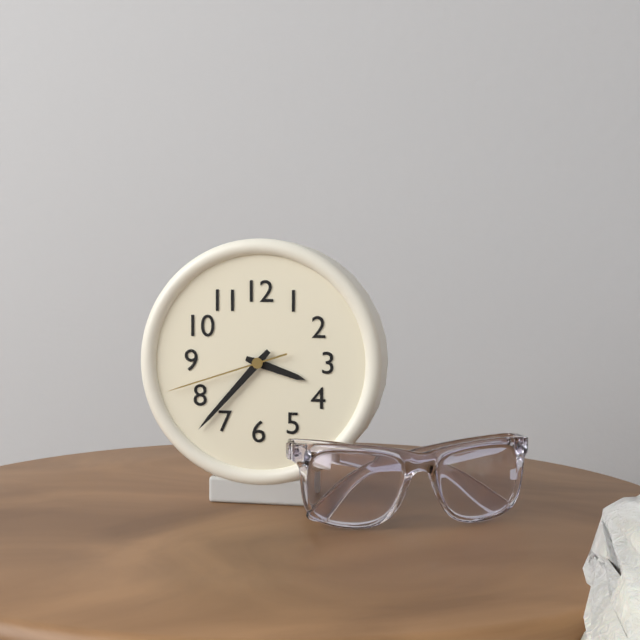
3:37:42
